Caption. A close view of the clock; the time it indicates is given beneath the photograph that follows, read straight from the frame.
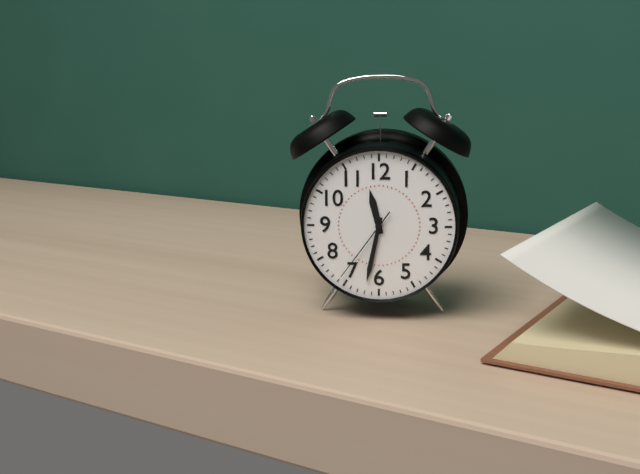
11:32:36
